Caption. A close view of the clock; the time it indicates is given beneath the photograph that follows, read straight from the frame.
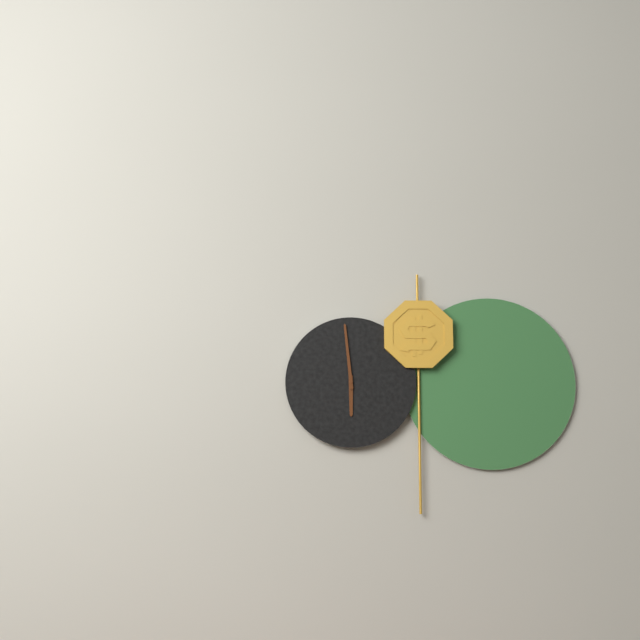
5:59
